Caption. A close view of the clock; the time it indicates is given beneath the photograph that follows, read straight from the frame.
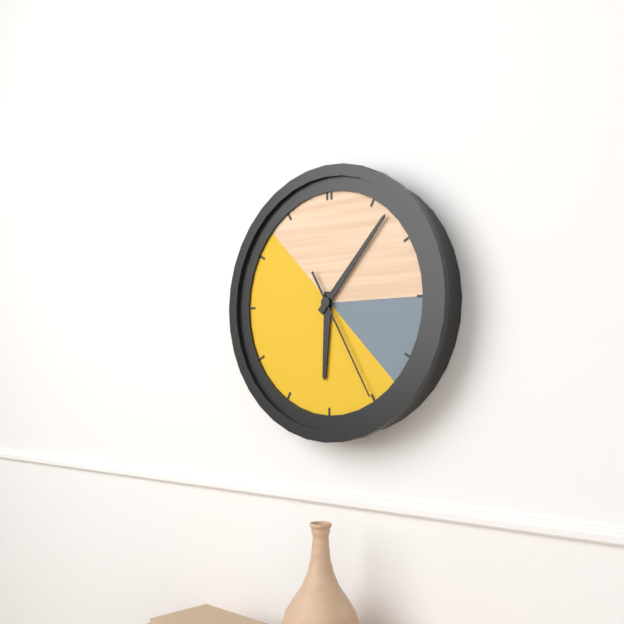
6:07:25
